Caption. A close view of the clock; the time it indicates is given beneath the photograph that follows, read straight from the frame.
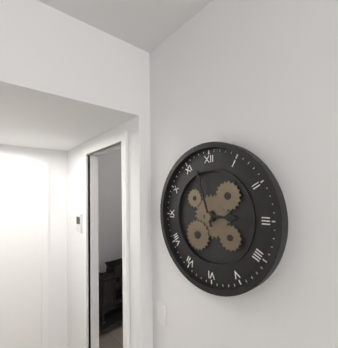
2:57
